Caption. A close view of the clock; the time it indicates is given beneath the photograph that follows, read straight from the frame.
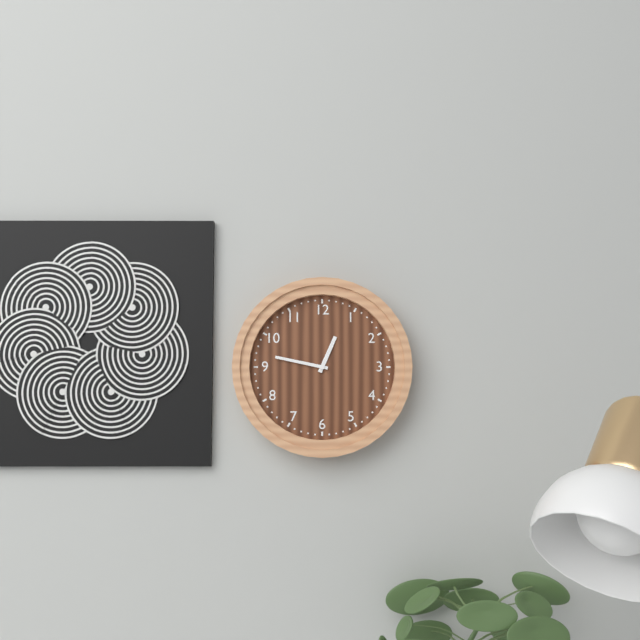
12:47
